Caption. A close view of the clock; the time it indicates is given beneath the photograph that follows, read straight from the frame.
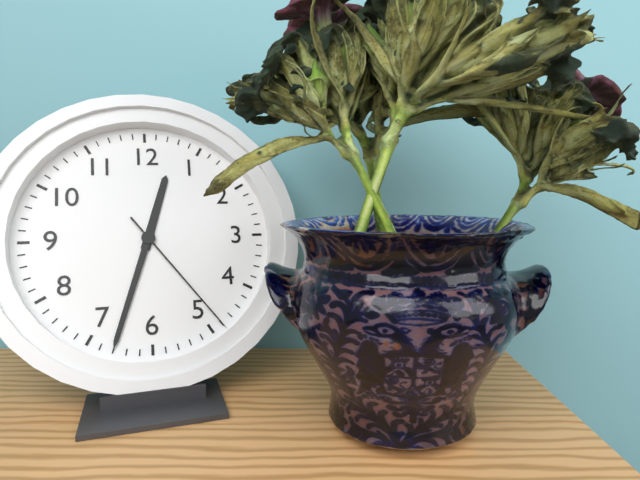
12:33:24
